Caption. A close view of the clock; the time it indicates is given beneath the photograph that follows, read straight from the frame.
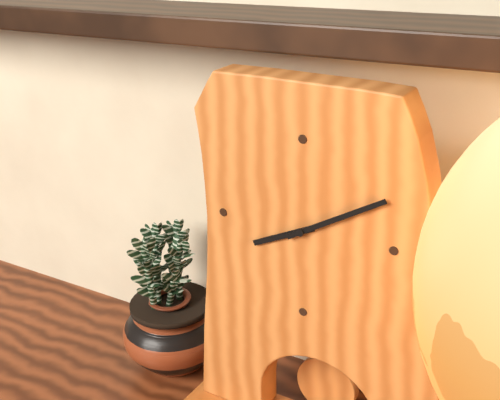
8:10
